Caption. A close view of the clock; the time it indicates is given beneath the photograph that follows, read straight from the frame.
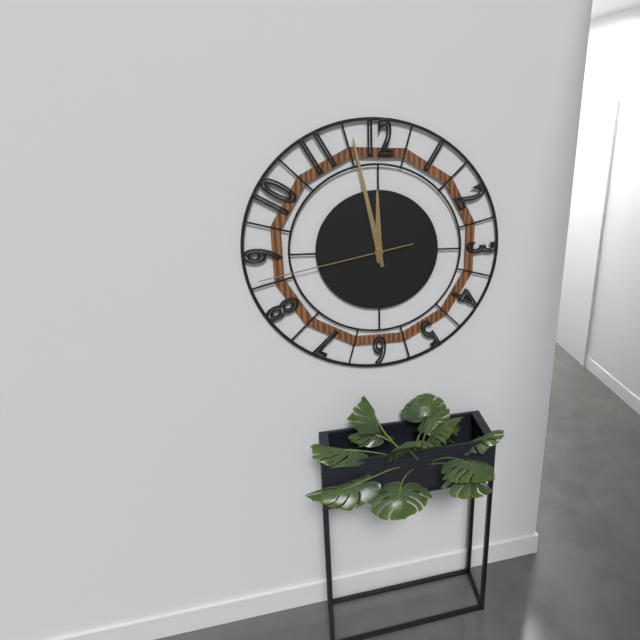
11:58:43
